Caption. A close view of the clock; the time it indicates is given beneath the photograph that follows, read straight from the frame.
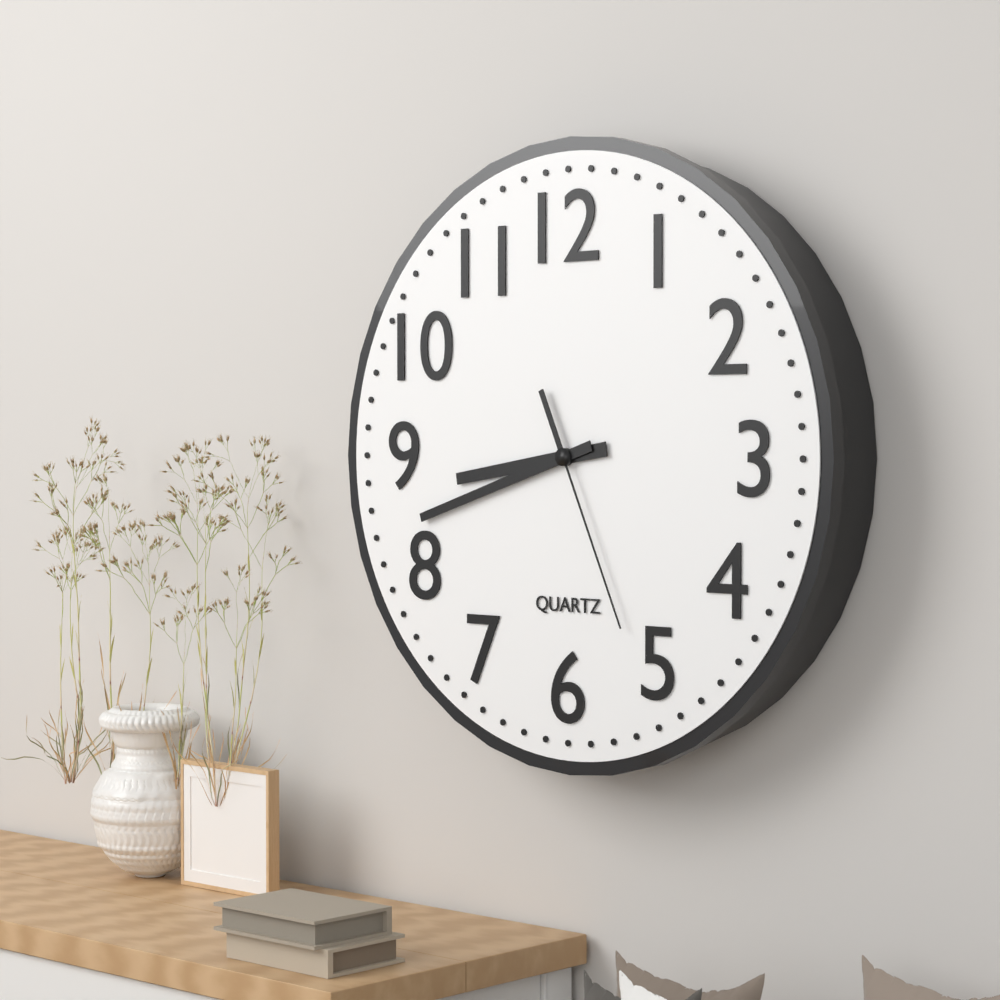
8:42:26
